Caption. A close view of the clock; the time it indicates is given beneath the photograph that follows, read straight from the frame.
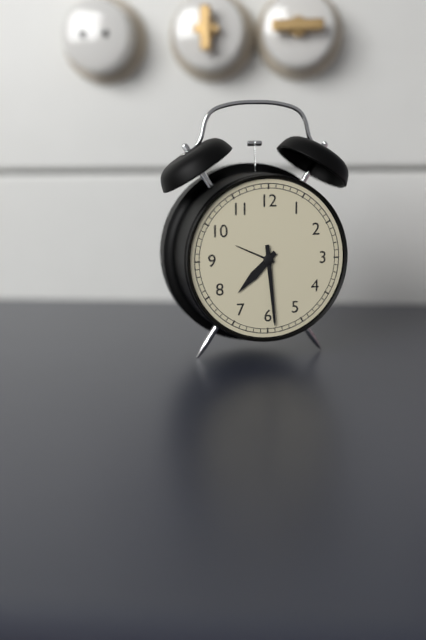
7:29
